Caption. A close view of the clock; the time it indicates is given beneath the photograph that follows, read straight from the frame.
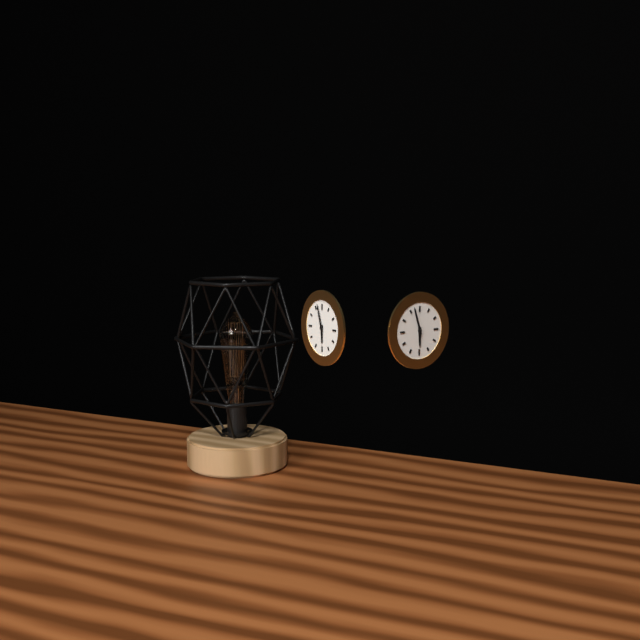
5:57
